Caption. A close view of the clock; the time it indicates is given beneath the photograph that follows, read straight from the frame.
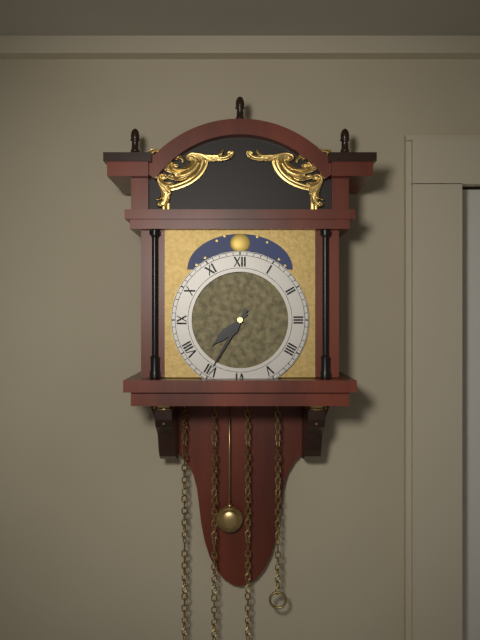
7:35
